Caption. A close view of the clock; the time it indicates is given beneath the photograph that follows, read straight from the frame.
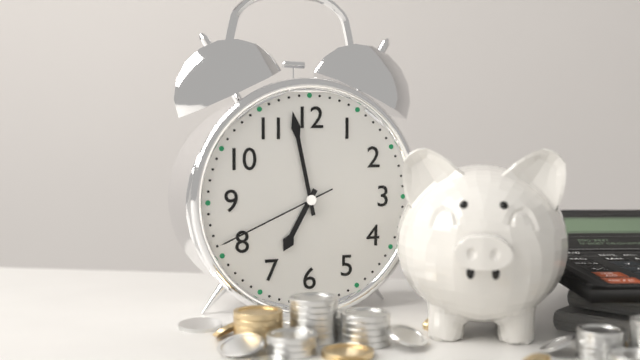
6:58:41
